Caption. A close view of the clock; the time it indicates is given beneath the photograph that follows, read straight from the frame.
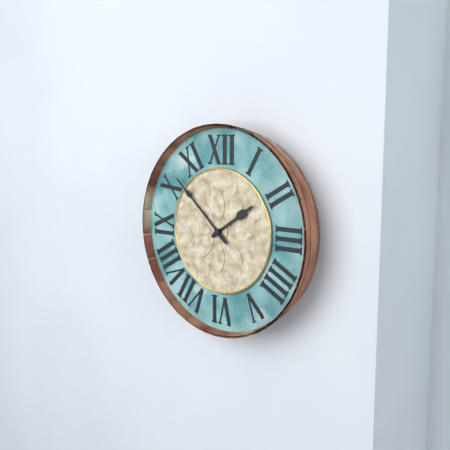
1:52
